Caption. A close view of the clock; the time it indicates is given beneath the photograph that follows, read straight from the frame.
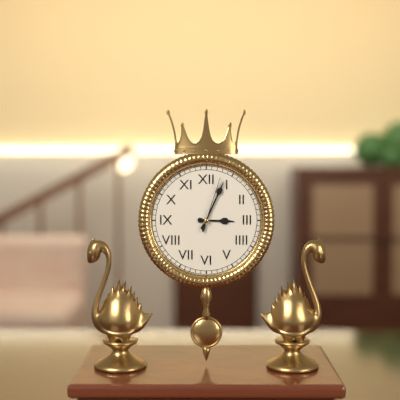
3:04:03
